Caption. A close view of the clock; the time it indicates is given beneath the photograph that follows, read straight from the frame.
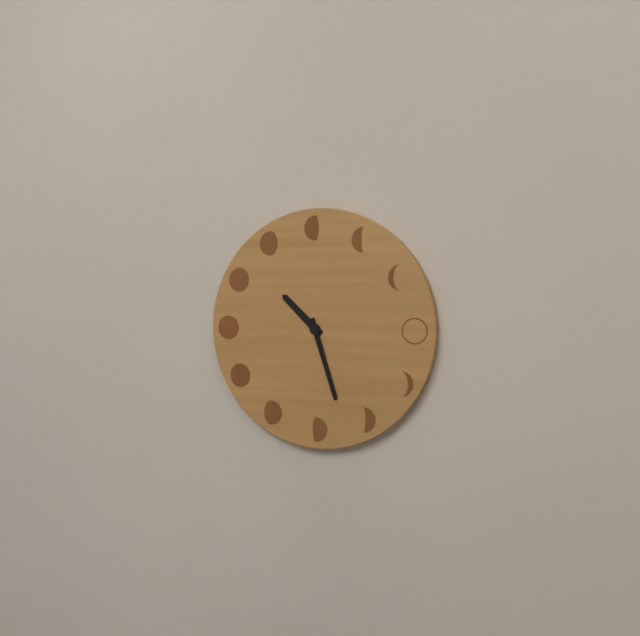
10:27
